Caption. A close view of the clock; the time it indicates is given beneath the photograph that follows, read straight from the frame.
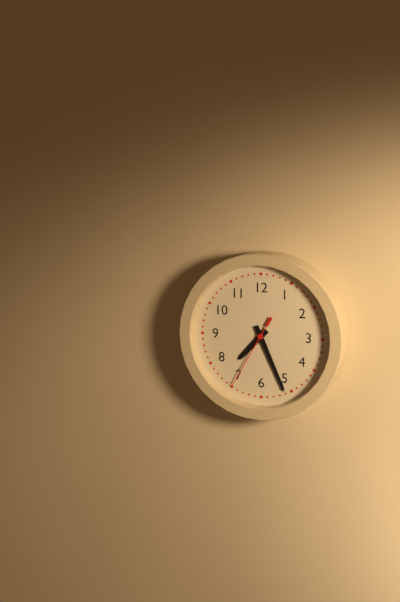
7:26:35
